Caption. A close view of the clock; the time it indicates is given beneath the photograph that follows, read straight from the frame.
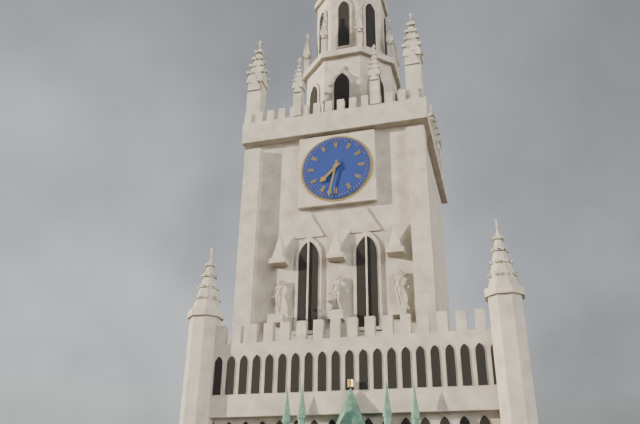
7:32
